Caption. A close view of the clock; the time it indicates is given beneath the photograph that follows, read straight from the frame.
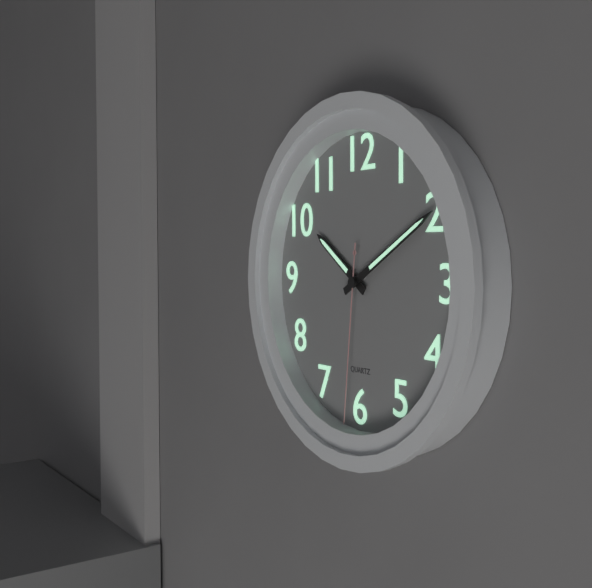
10:10:31
